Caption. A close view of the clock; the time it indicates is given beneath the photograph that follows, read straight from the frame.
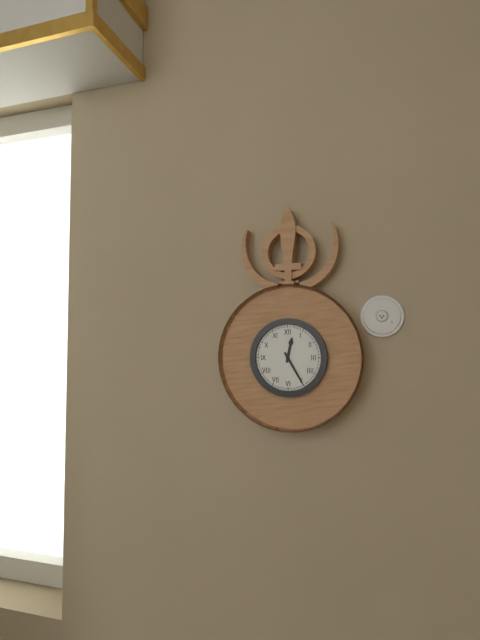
12:25
